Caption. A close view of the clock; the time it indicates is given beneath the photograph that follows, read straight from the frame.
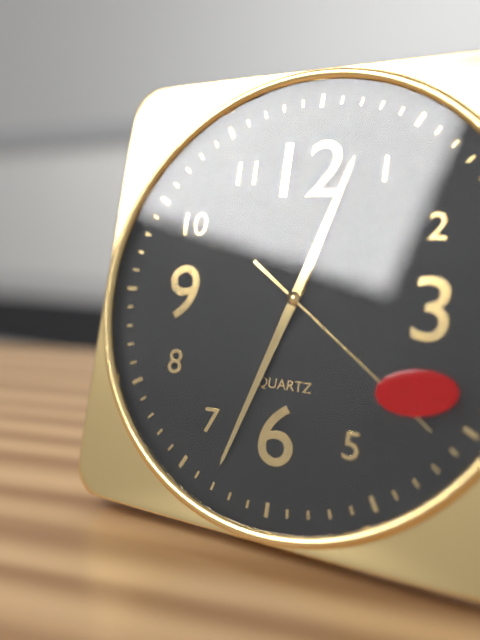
12:33:21
